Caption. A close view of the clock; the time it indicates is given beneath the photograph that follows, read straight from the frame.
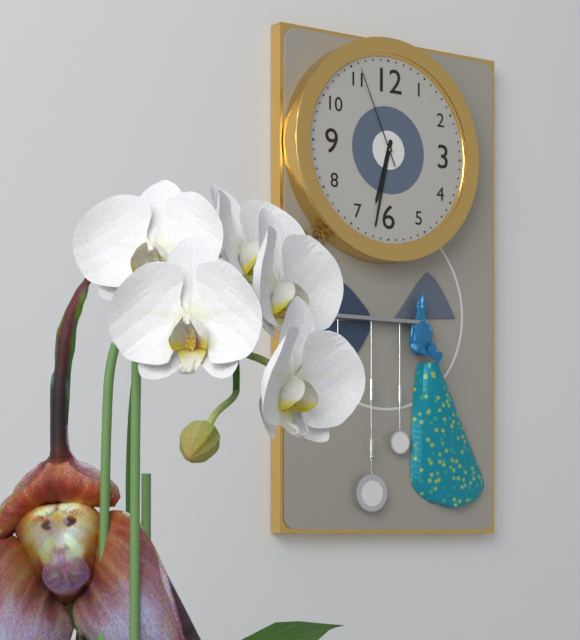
6:32:56
